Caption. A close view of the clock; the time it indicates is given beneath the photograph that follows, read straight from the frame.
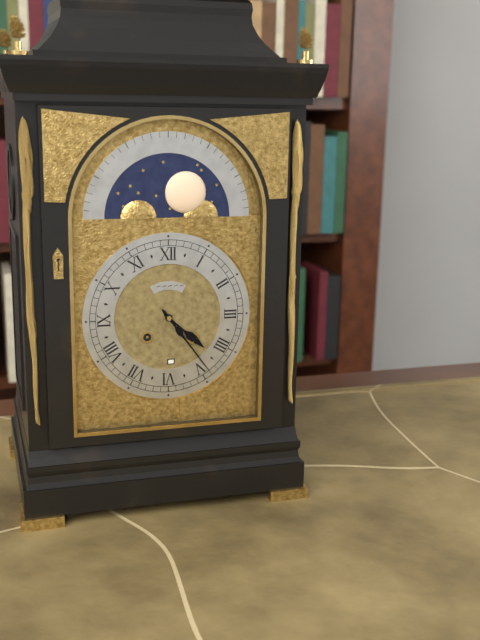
4:24
